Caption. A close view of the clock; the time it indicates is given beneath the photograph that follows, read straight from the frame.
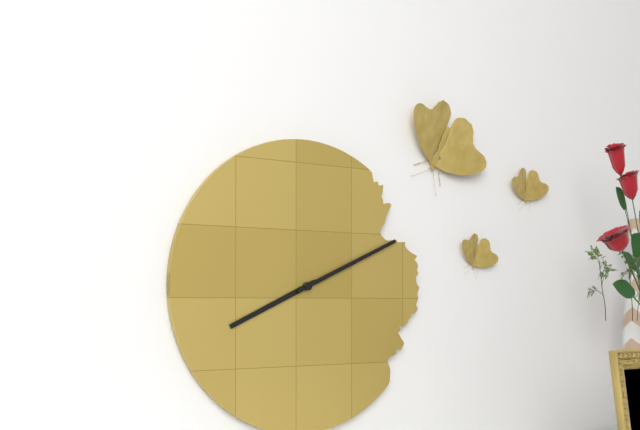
8:11
